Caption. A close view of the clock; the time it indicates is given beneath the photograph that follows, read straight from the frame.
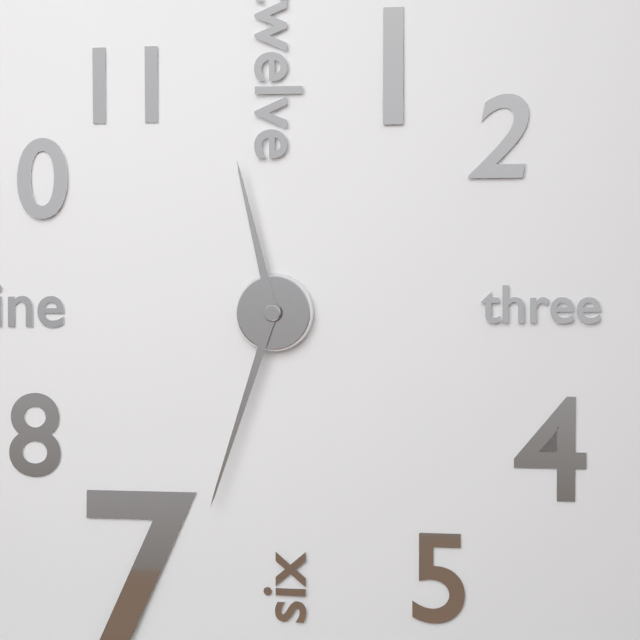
11:33
